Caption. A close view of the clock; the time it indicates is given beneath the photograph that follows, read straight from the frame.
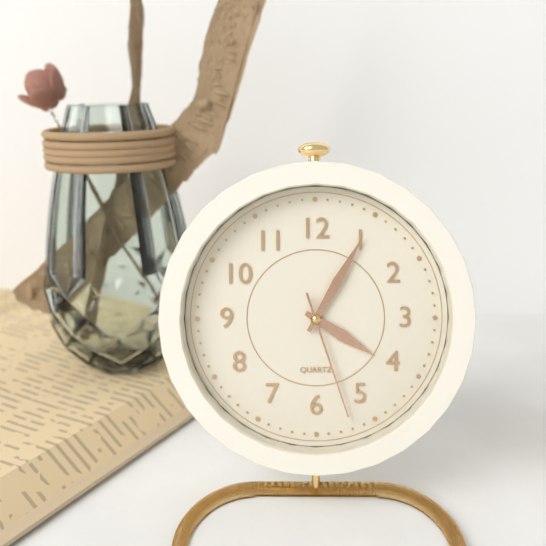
4:05:27
